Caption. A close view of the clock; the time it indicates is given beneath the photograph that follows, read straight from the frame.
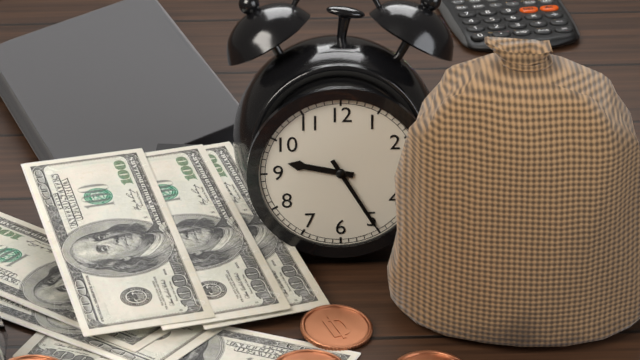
9:25
